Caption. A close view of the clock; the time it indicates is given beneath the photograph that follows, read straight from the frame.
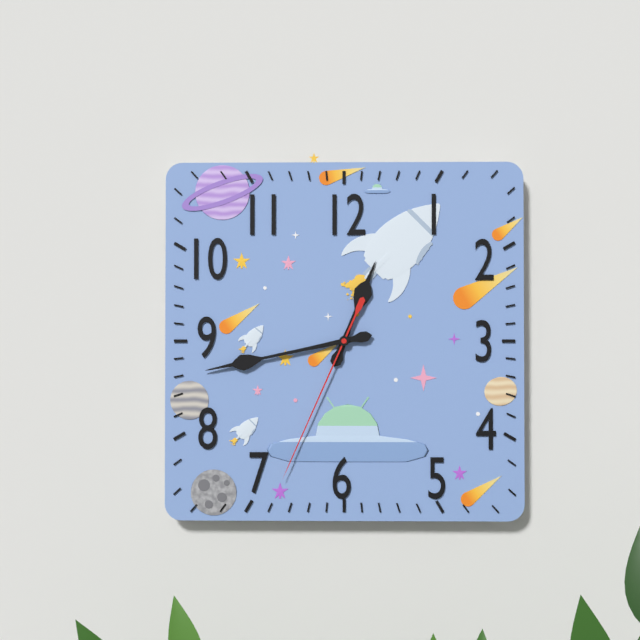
12:43:34
